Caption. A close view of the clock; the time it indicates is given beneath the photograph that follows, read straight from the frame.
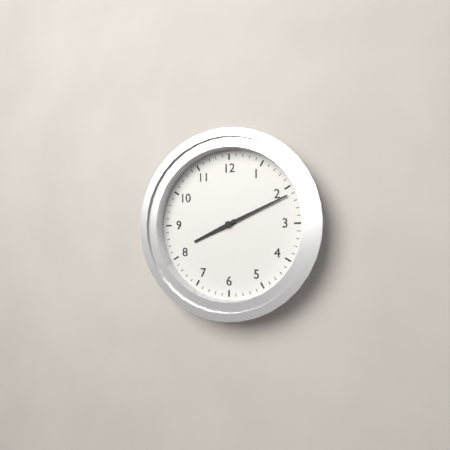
8:11
